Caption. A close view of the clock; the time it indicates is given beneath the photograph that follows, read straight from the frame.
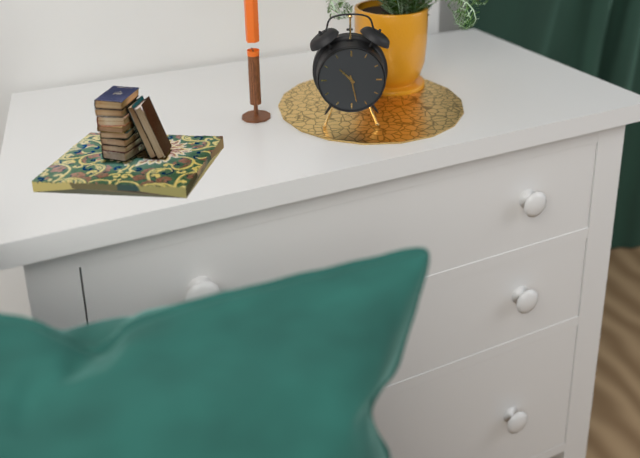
10:28
